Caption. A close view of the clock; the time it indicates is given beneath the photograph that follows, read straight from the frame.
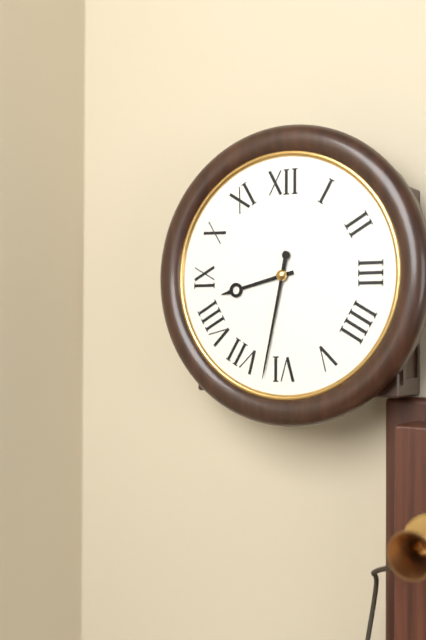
8:32
